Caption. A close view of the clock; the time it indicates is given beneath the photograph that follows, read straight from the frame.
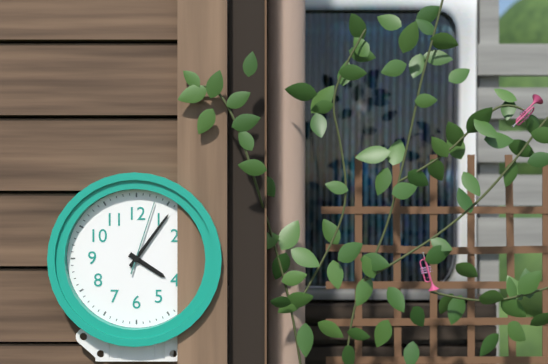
4:06:03
